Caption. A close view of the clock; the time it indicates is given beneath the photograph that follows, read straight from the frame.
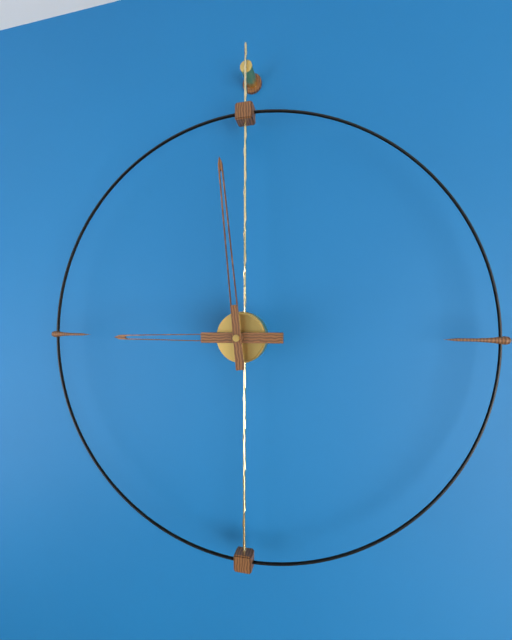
8:59
